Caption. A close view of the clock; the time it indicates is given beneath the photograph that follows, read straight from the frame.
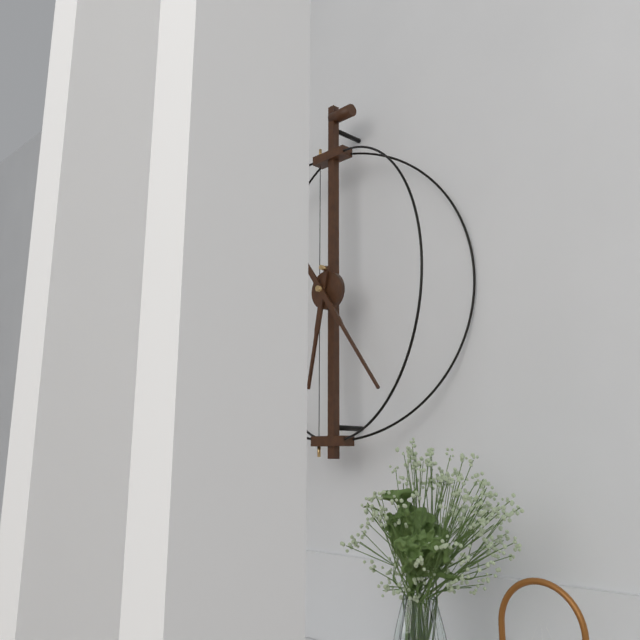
6:24
